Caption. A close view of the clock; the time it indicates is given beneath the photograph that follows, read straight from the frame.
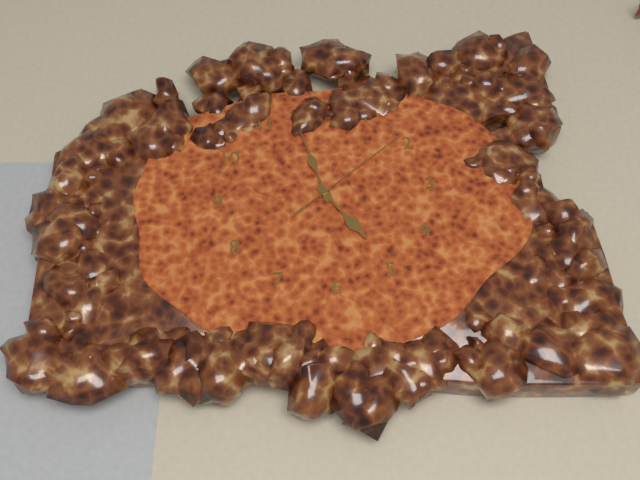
4:58:09
